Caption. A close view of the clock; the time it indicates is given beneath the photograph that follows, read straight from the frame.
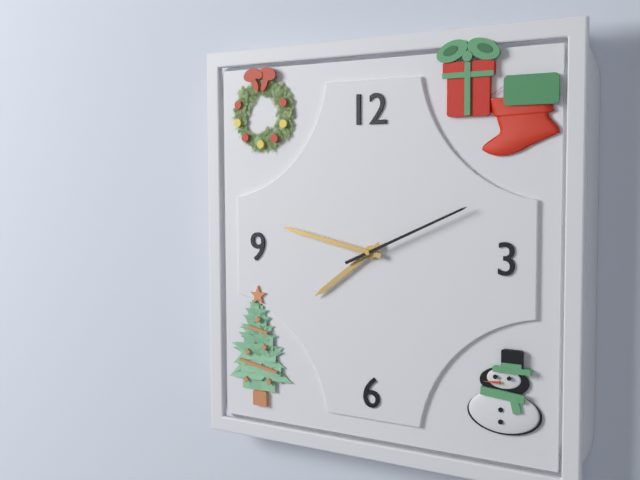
7:47:11
